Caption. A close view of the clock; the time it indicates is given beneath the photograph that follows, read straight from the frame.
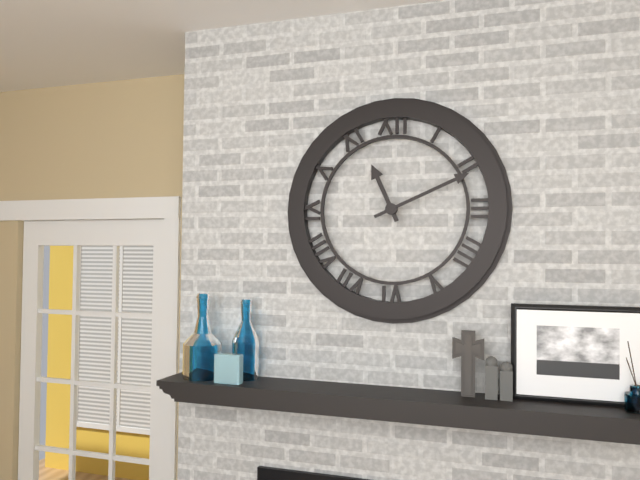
11:11
